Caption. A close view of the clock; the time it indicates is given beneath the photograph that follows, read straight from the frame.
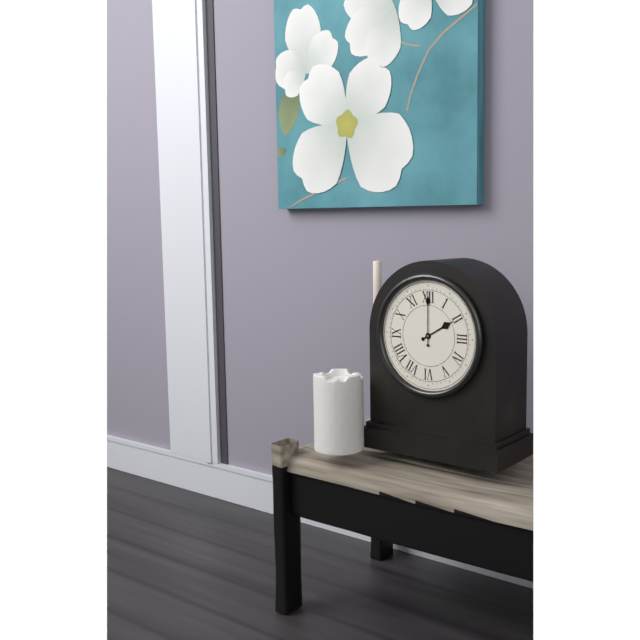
2:00
